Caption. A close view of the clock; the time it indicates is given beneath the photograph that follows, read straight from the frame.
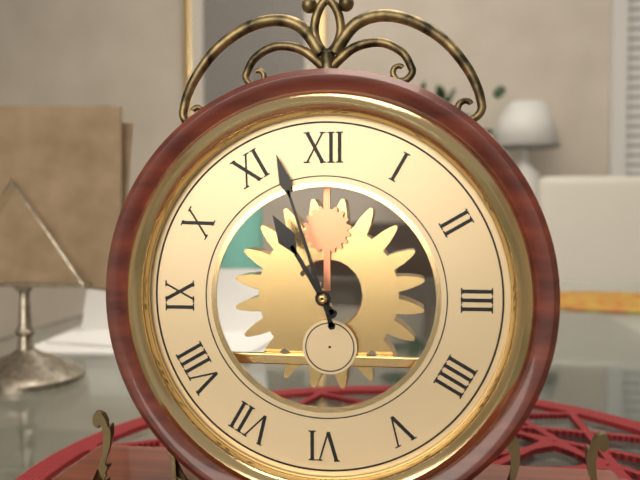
10:57
